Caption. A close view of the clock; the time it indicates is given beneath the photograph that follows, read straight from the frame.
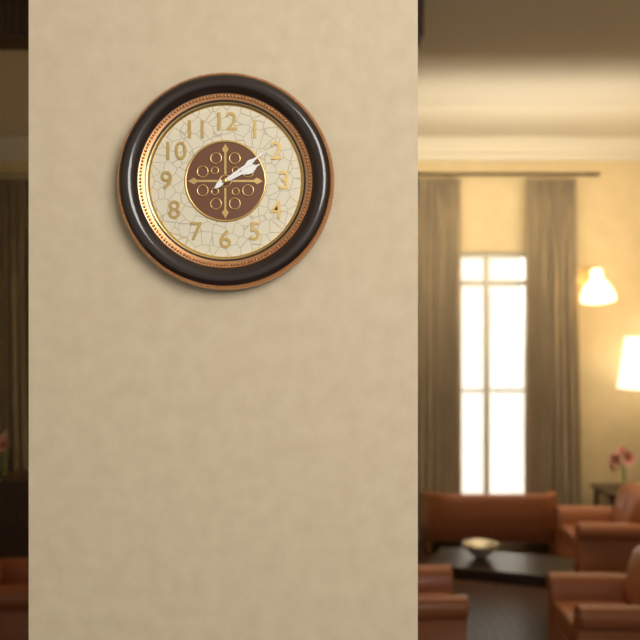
2:09
